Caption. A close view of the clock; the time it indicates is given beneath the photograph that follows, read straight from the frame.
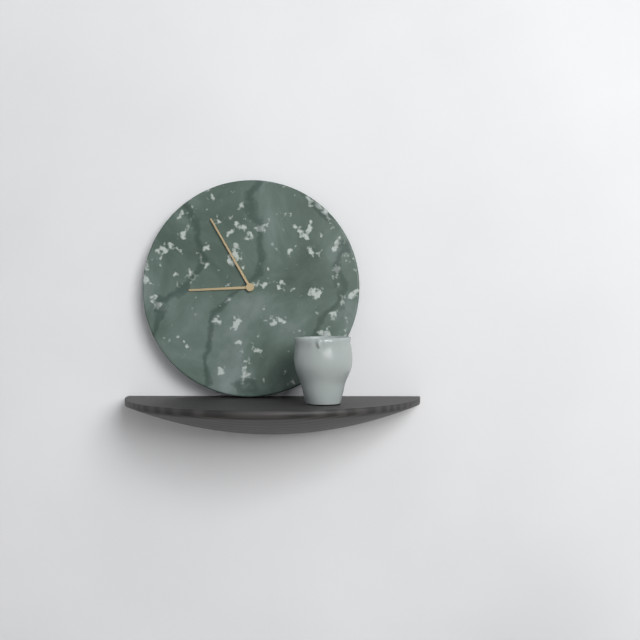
8:55
